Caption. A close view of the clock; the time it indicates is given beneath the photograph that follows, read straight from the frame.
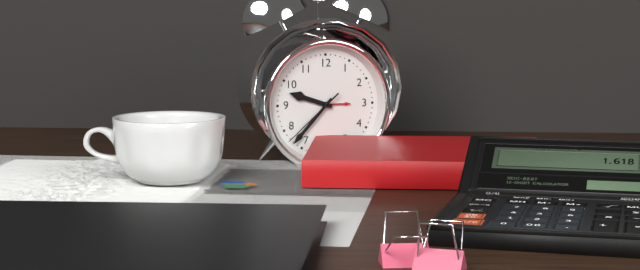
9:37:38
